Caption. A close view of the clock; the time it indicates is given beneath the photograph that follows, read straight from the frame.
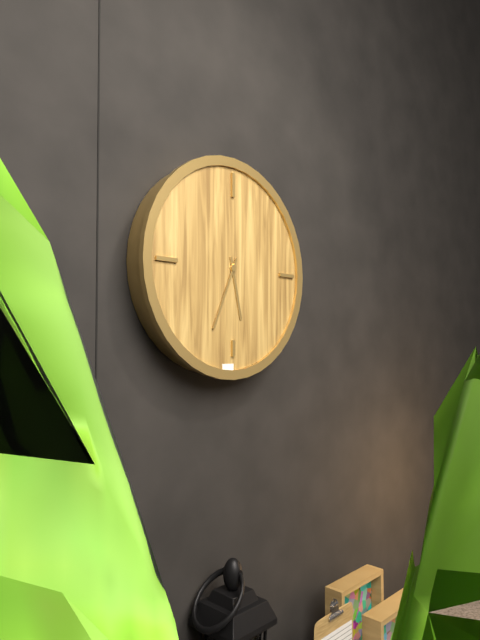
5:34
